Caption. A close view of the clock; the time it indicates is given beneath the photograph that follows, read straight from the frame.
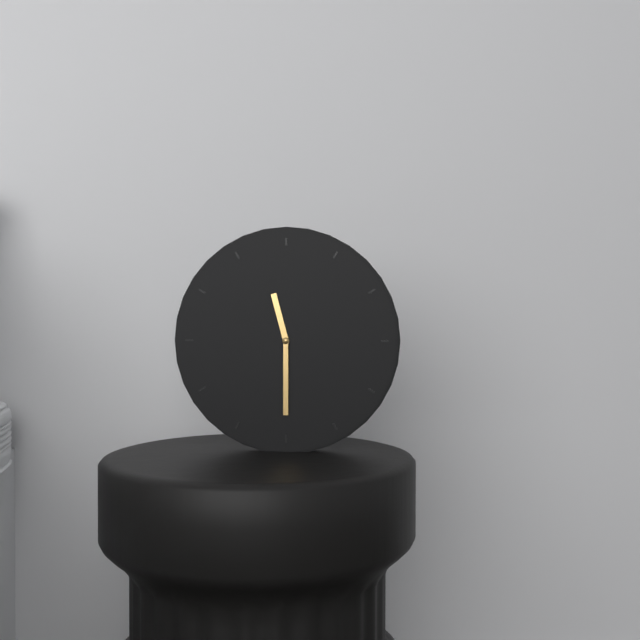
11:30
